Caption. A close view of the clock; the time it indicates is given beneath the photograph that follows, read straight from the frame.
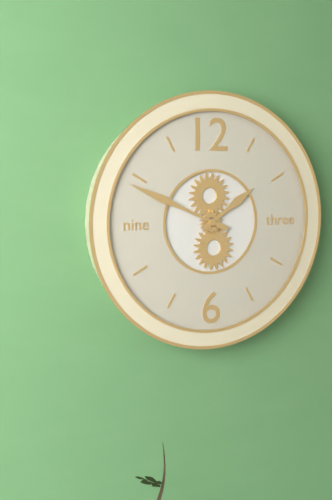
1:49
